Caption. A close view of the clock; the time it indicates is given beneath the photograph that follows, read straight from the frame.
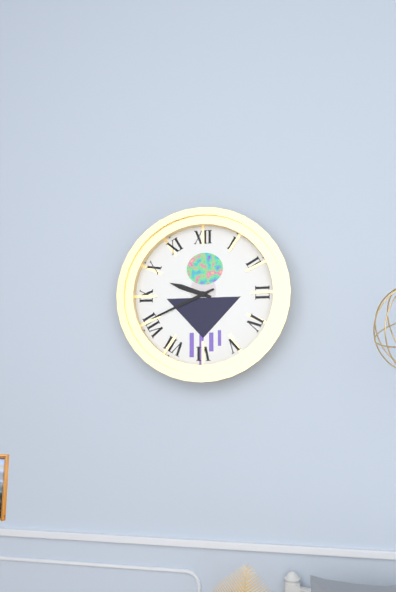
9:41
